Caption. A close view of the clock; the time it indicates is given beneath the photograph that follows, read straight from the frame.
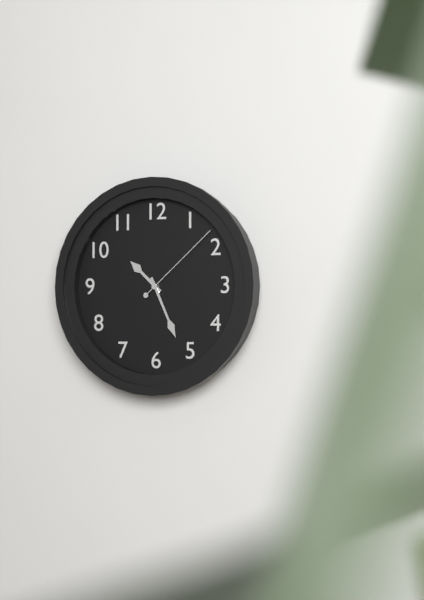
10:26:08
